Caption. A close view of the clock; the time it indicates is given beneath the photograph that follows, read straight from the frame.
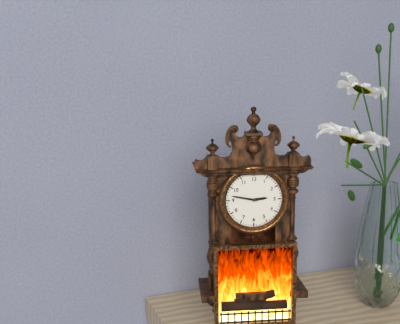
2:47
